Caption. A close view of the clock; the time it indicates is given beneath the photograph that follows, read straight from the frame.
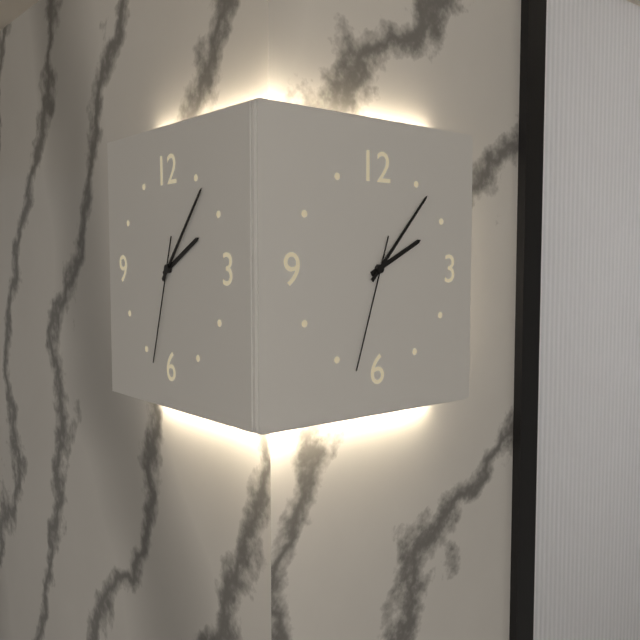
2:07:33
